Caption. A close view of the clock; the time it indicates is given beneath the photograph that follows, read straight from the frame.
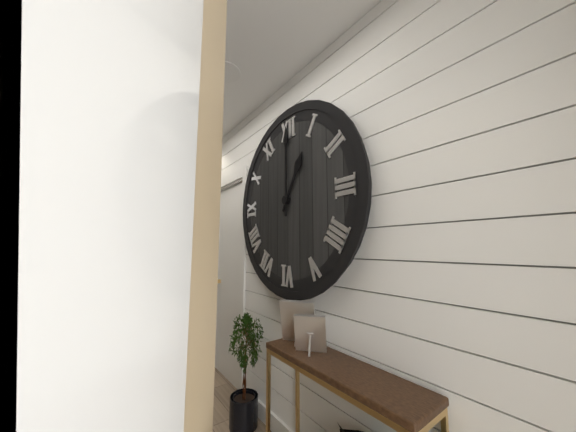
1:00
